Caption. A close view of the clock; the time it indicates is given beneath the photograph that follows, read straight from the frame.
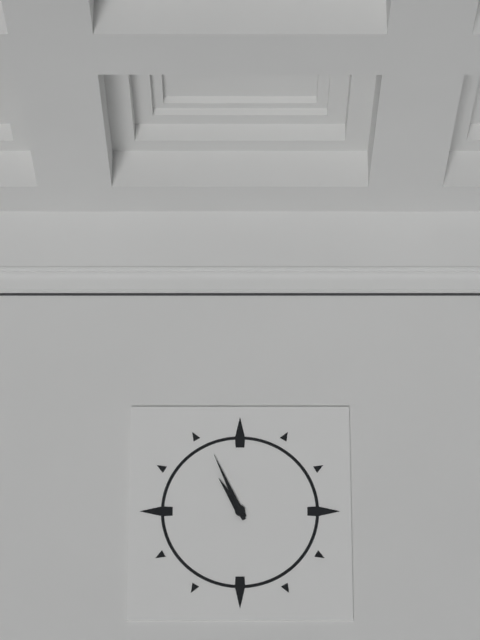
10:56
